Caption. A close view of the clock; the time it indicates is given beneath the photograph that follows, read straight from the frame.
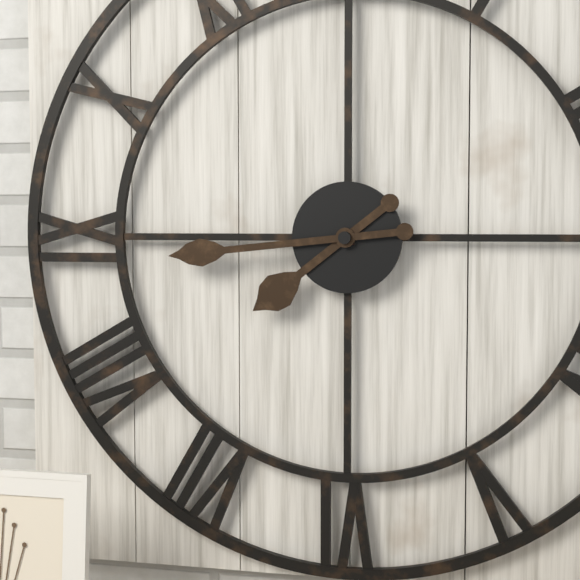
7:44
